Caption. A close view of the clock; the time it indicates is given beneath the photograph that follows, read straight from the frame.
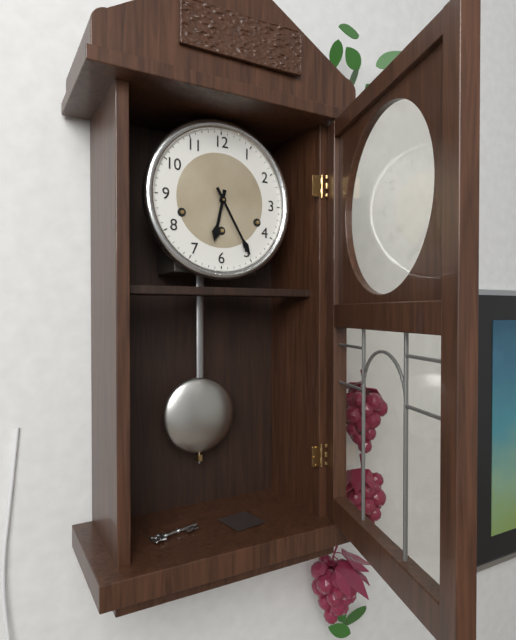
6:25
